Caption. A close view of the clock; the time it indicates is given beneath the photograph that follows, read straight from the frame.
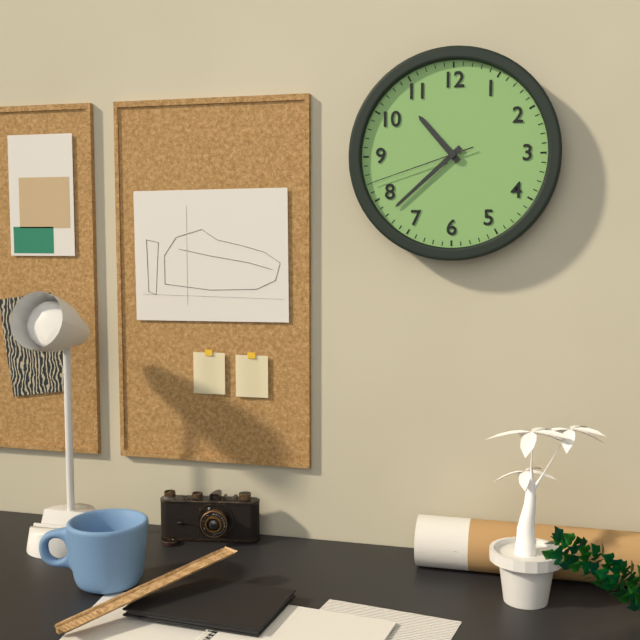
10:38:42
